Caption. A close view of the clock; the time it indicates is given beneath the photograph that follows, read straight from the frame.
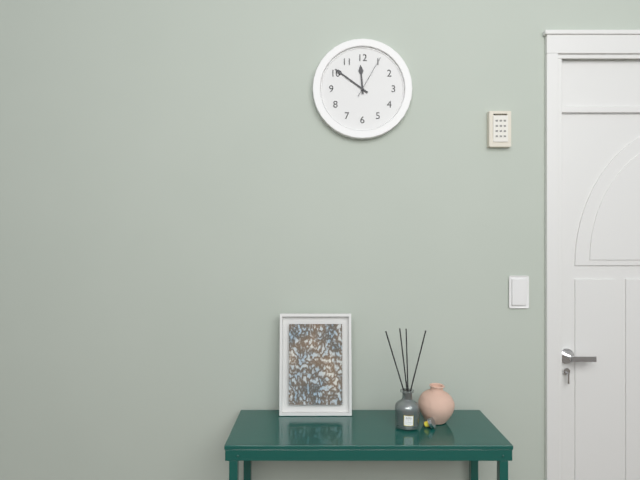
11:51
